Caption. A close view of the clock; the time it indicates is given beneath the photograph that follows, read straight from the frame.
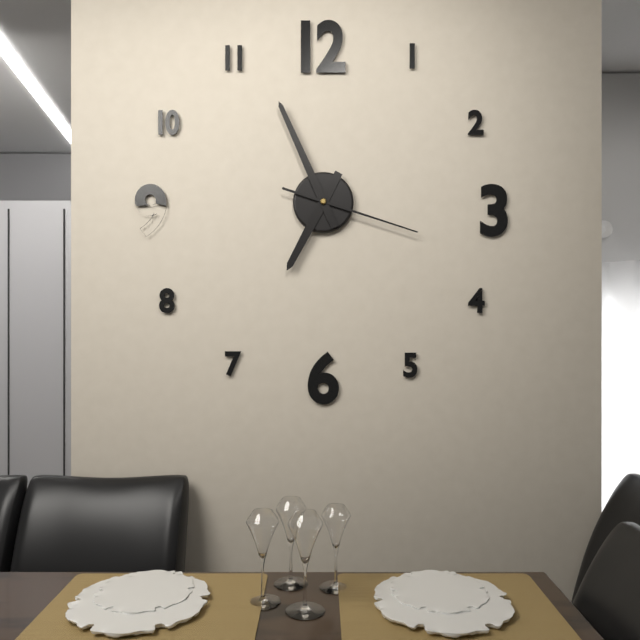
6:56:18
